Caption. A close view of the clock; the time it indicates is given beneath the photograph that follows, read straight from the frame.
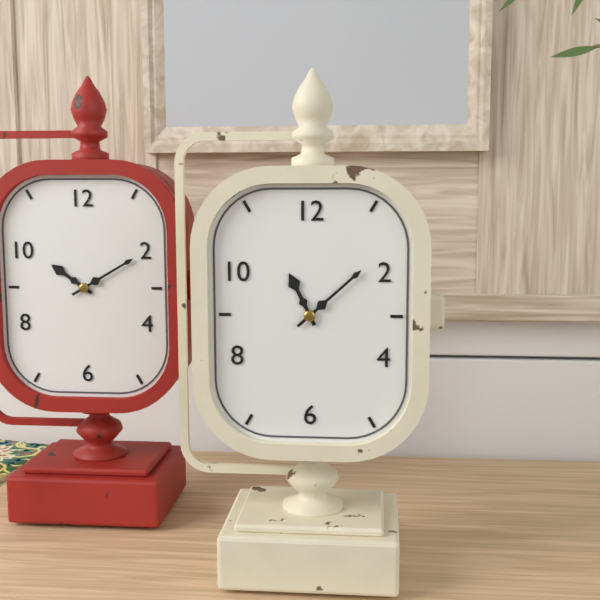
11:08
